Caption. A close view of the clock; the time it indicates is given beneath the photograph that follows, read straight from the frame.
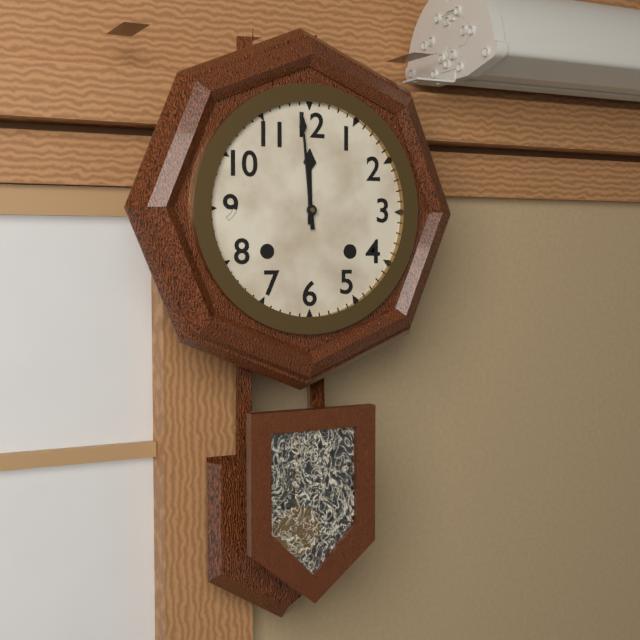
11:59
